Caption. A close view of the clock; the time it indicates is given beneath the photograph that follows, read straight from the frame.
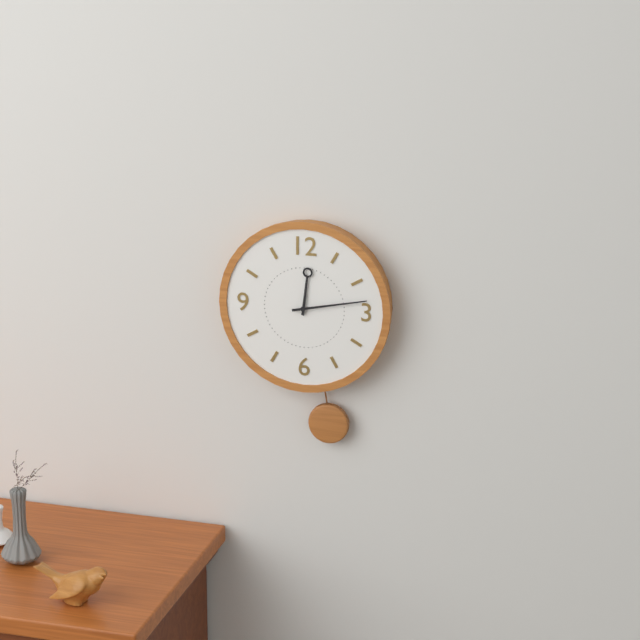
12:13
